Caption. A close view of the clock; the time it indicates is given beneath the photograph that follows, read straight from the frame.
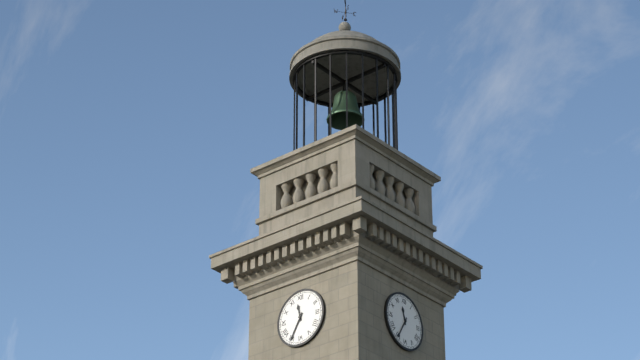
11:35
